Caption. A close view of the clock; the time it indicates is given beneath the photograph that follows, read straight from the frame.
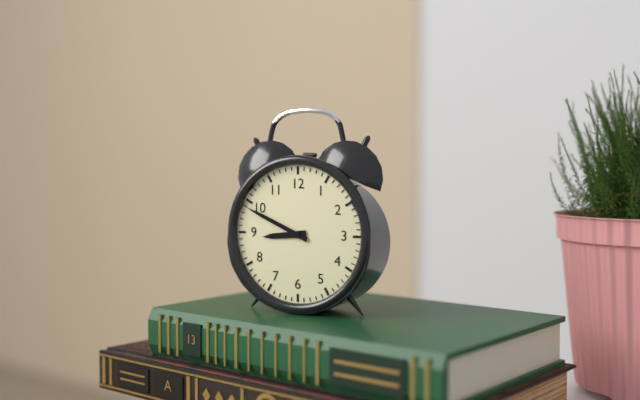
8:49
